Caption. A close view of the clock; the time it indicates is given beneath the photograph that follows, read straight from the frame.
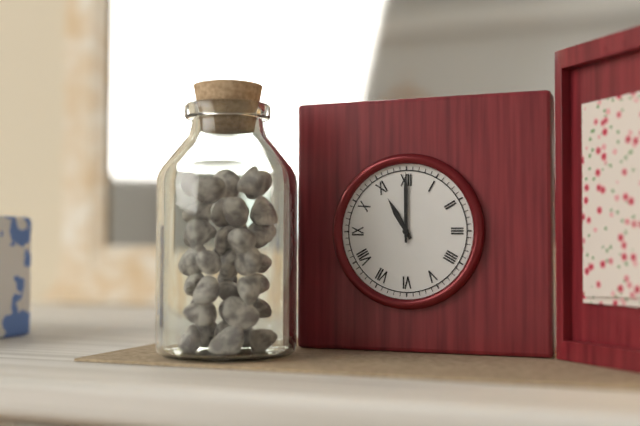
11:00
